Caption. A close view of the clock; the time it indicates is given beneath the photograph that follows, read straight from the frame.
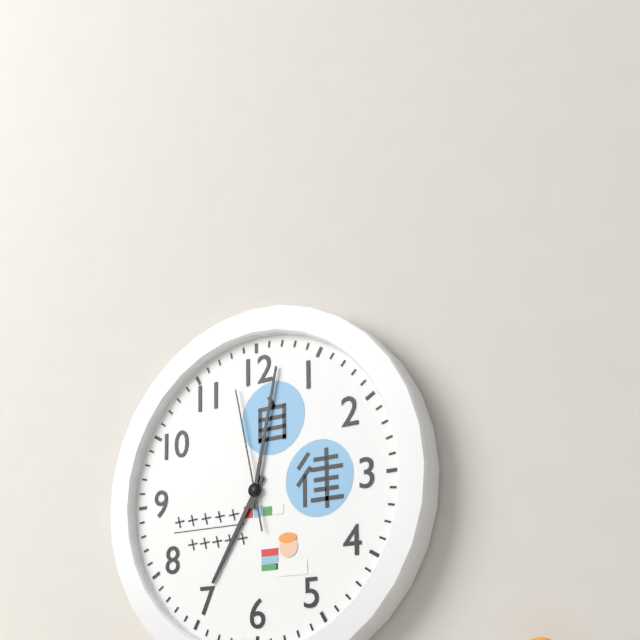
7:02:58
